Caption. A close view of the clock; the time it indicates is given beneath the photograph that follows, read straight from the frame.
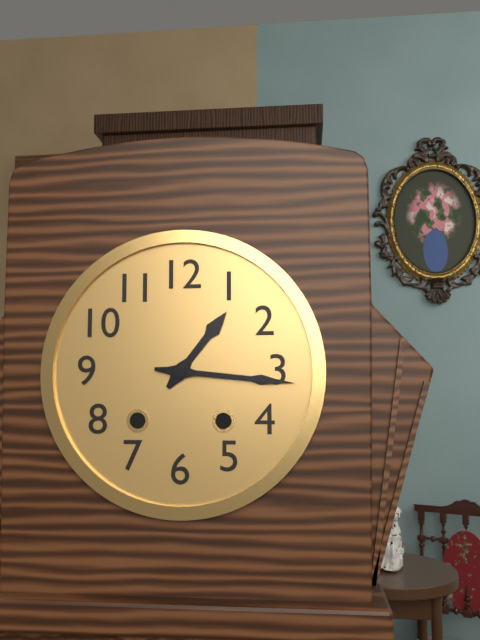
1:16
